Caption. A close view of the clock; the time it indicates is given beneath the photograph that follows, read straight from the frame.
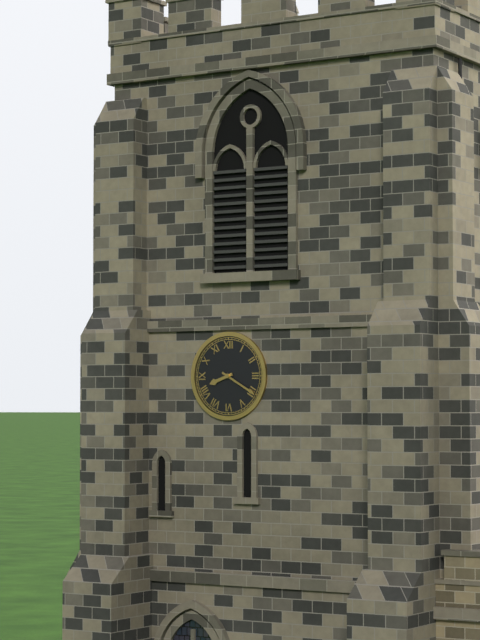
8:20
